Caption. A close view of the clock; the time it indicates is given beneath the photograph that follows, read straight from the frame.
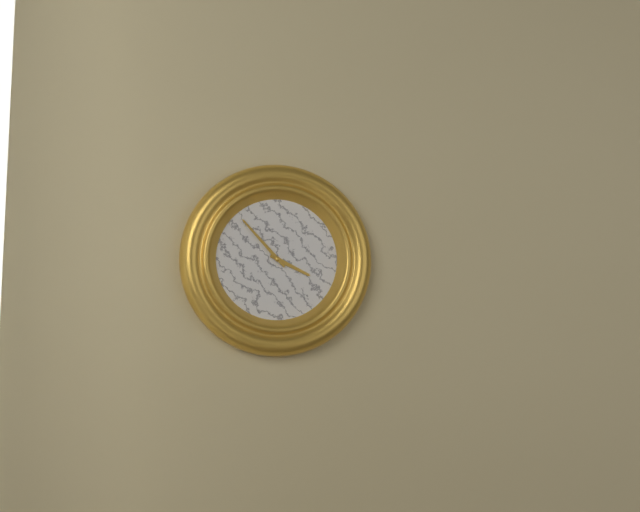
3:53
